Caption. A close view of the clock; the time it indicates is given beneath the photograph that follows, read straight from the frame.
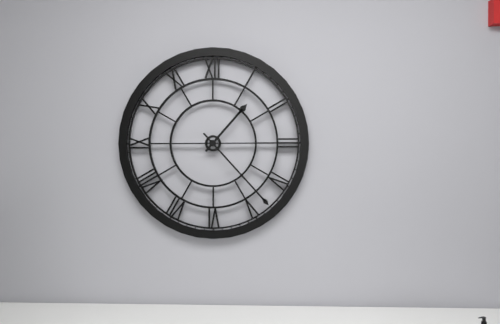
1:23
